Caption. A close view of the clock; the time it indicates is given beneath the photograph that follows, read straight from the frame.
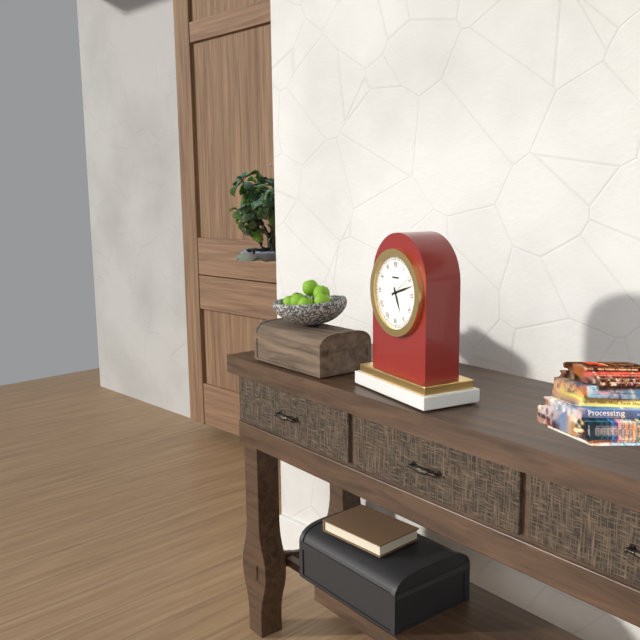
5:12
